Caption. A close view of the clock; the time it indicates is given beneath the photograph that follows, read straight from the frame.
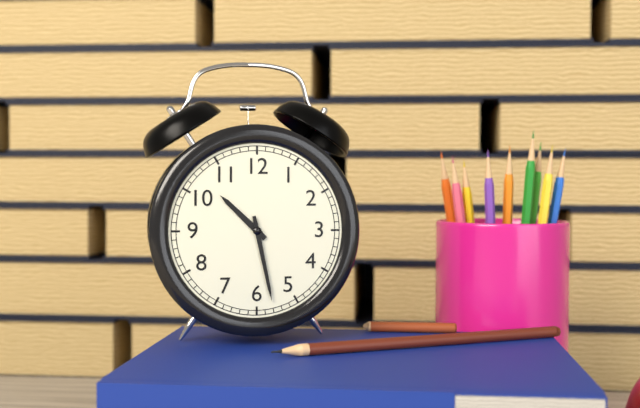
10:28
